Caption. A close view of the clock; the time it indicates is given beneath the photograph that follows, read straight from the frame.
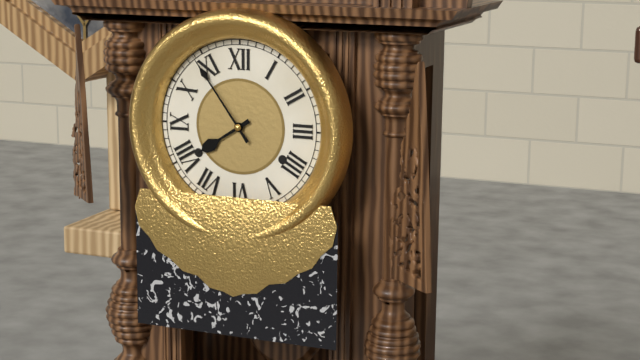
7:54
